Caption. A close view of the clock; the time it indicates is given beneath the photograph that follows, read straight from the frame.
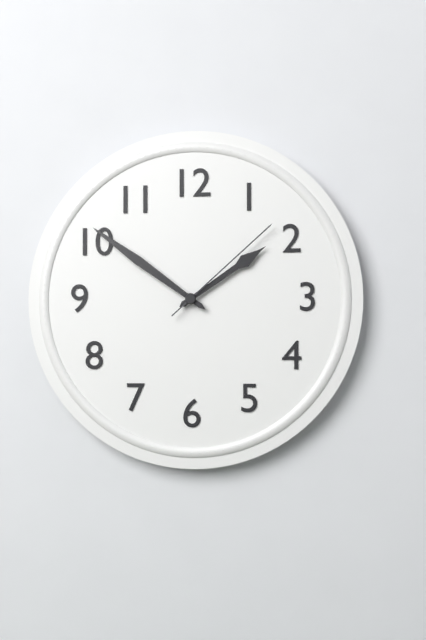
1:51:08
